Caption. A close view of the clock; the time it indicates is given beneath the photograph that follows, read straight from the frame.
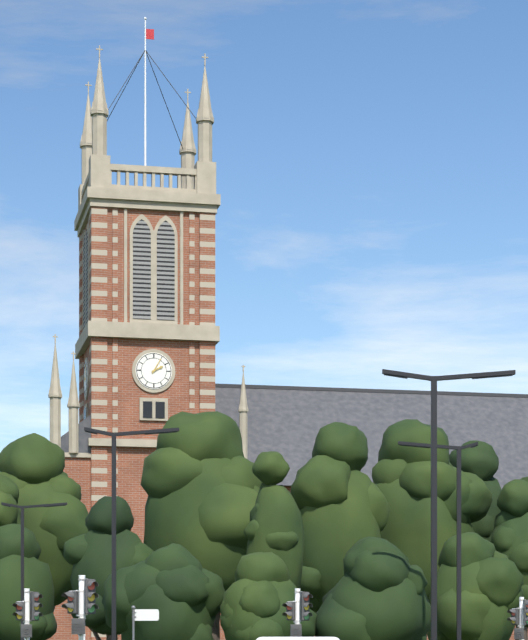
2:05
